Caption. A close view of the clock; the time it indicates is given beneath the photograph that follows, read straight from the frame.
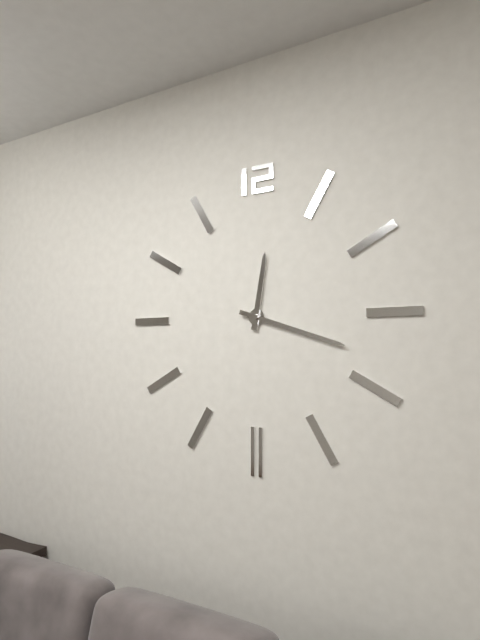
12:18
